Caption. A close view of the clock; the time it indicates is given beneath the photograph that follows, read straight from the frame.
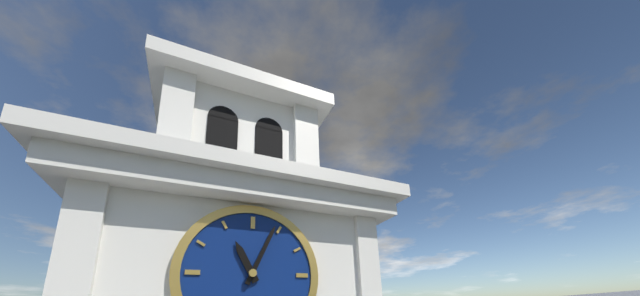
11:04
